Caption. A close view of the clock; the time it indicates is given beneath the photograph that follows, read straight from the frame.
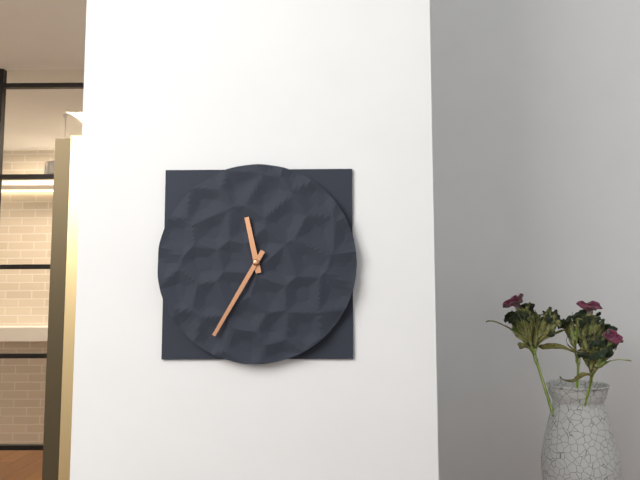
11:35
